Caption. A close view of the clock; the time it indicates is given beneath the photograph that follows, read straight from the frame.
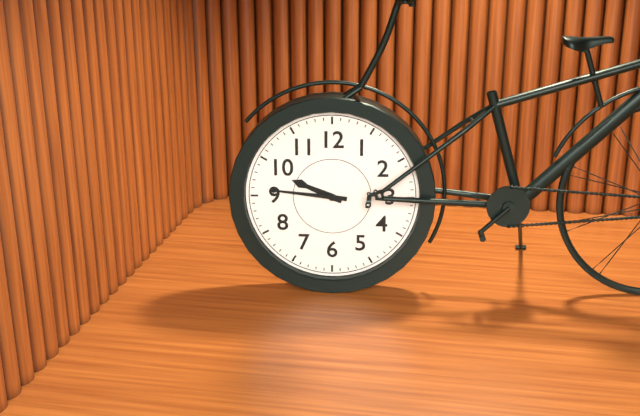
9:46
